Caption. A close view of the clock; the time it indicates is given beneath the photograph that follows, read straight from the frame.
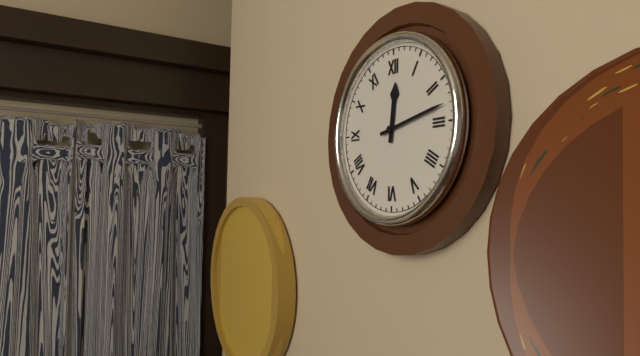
12:13
